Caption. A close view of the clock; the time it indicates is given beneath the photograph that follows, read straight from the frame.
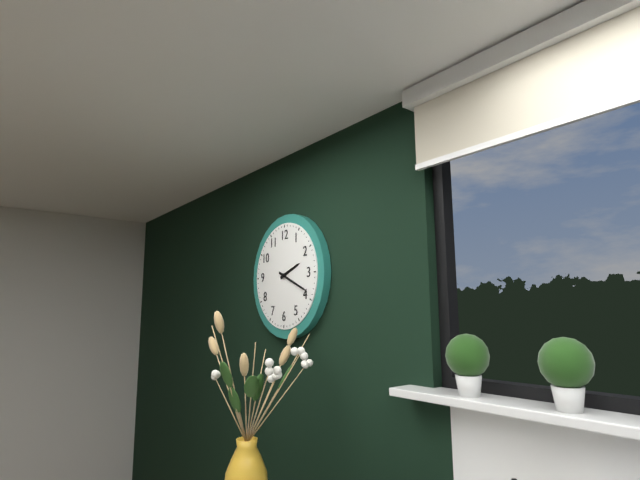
2:19
